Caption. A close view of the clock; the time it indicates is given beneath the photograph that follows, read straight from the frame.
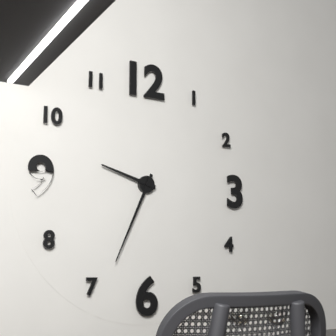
9:34
